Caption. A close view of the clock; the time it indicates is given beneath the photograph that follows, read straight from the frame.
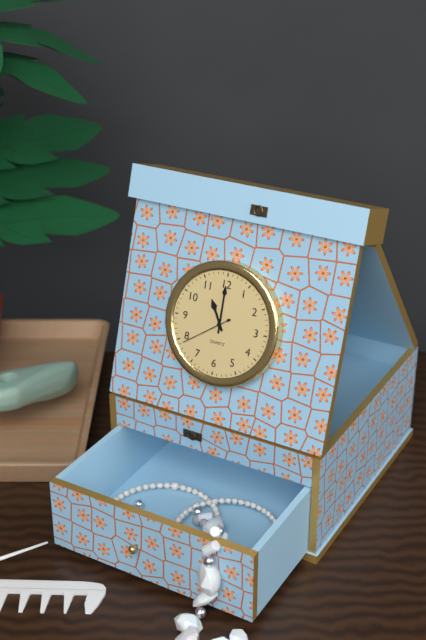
11:00:39
